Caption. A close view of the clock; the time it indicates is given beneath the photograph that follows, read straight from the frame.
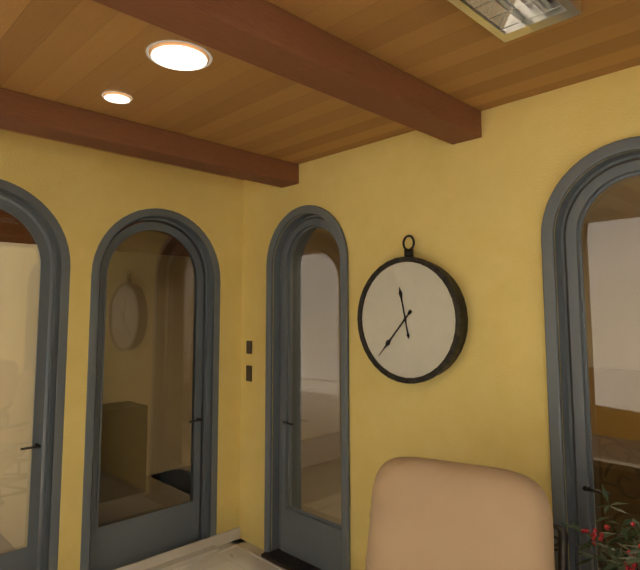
11:37
